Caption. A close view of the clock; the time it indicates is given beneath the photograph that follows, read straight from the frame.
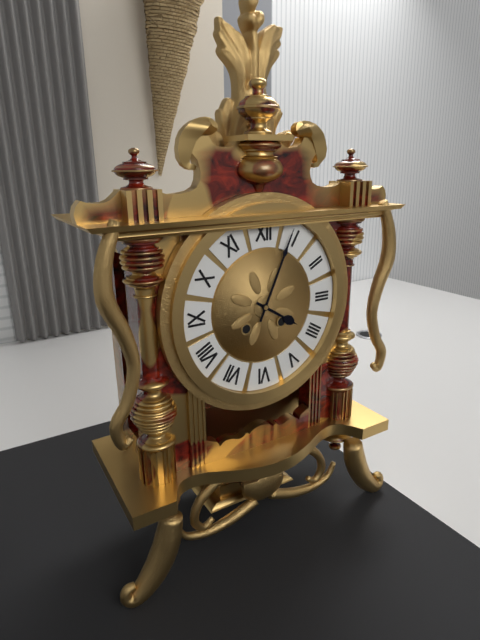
4:04
